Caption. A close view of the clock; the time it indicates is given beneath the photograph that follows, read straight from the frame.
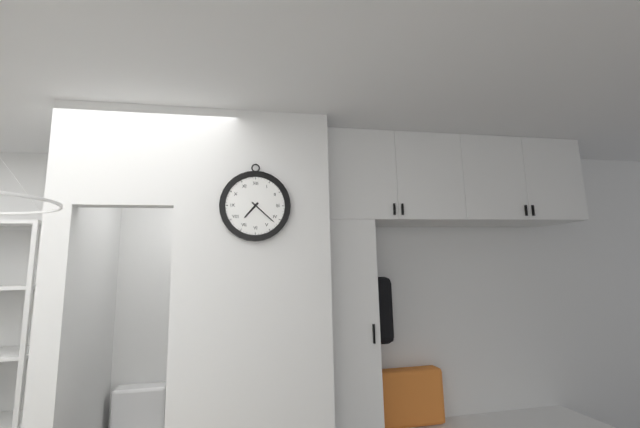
7:22
